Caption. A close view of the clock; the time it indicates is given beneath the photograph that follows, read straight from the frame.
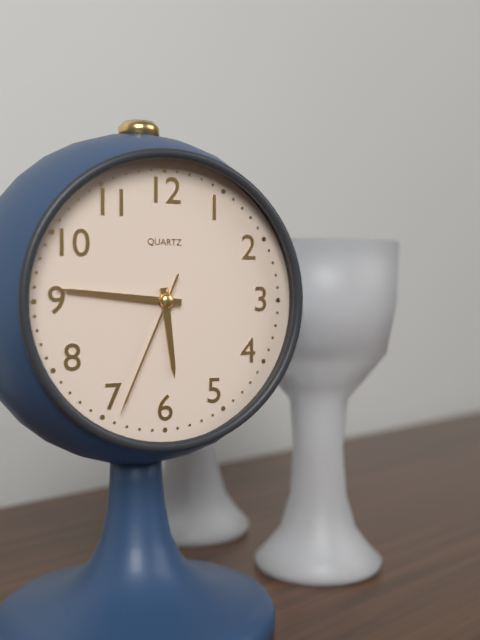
5:46:34
